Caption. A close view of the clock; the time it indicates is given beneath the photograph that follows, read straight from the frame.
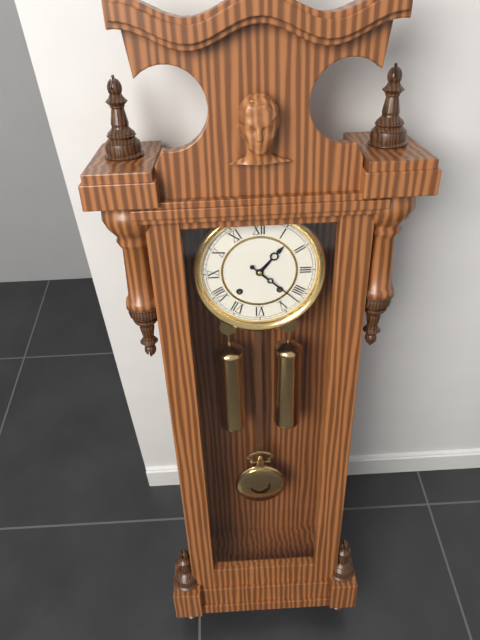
1:22
